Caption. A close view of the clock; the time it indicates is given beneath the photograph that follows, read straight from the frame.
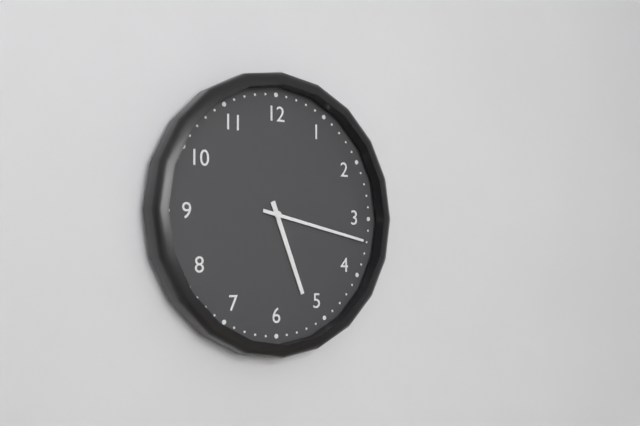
5:17
